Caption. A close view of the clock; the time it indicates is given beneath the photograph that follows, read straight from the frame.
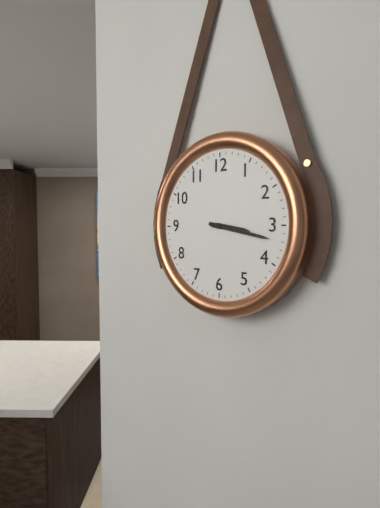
3:17
